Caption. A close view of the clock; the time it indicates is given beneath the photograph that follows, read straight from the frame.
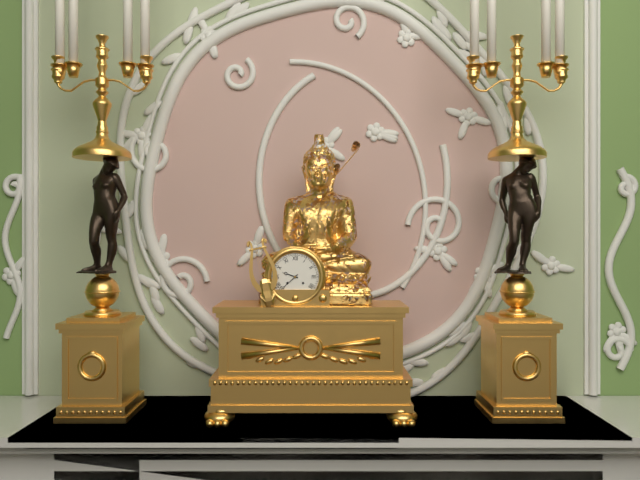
9:38
